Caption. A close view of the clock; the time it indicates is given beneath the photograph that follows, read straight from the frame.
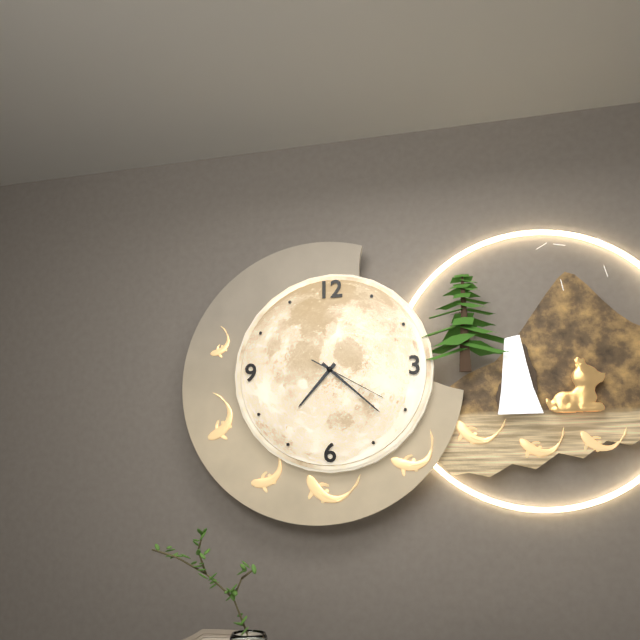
7:22:20
